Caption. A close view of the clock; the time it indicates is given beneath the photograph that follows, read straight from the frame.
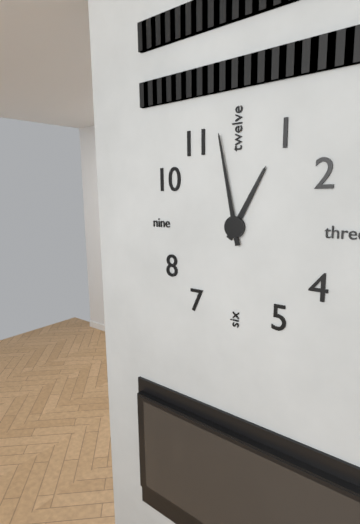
12:58
